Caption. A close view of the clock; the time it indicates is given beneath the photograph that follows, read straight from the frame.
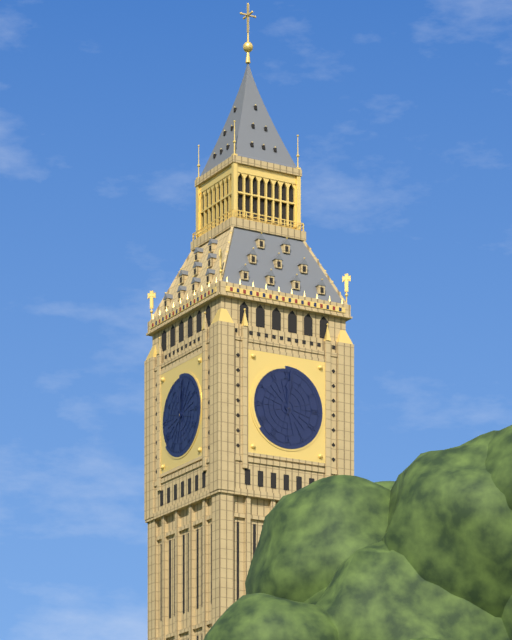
12:01
